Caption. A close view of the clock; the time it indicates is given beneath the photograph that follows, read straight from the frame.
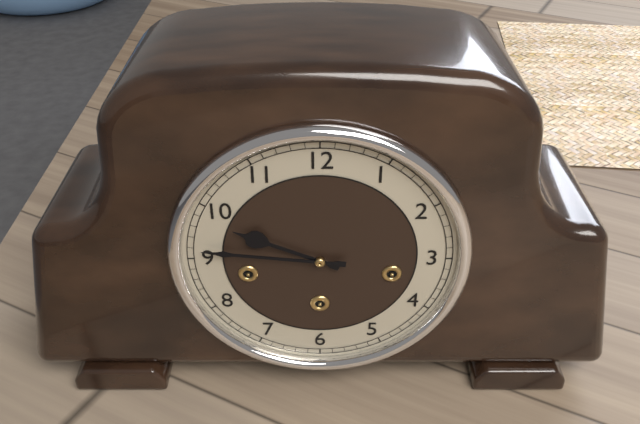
9:46
